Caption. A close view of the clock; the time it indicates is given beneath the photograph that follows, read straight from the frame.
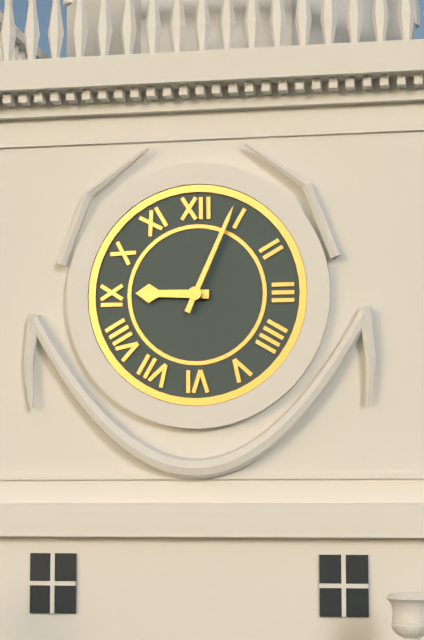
9:04
